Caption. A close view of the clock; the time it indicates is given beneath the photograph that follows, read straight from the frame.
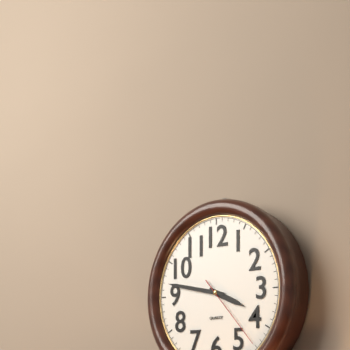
3:47:23
